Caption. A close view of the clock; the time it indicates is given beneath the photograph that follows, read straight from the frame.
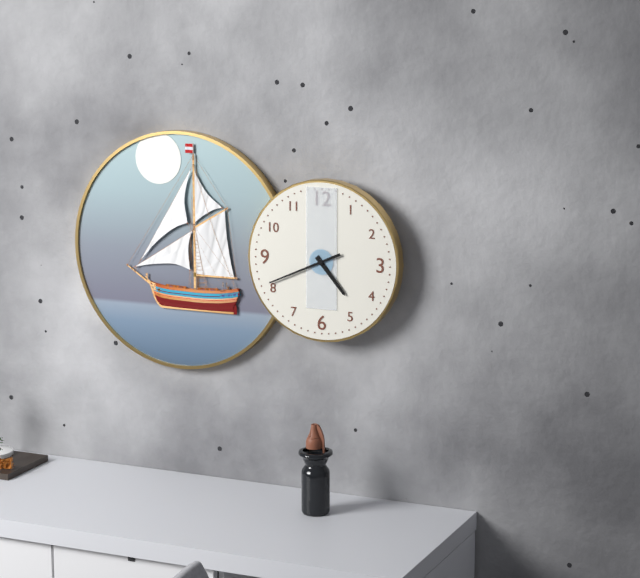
4:41
